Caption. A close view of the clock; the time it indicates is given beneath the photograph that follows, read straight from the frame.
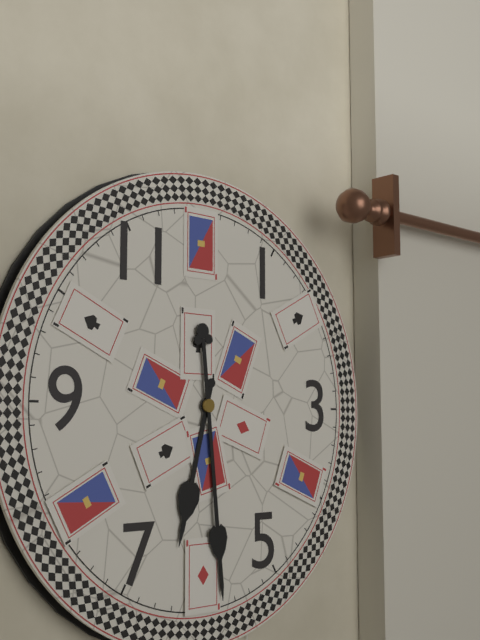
6:29
